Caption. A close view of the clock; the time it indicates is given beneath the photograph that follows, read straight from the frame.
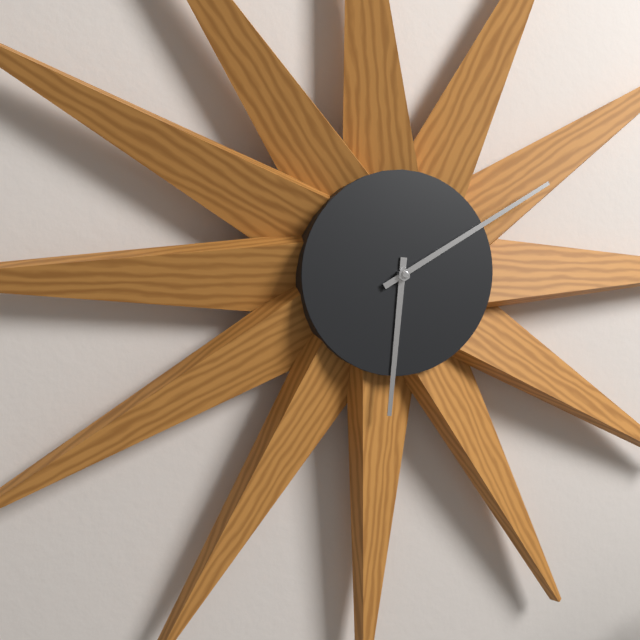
6:10
